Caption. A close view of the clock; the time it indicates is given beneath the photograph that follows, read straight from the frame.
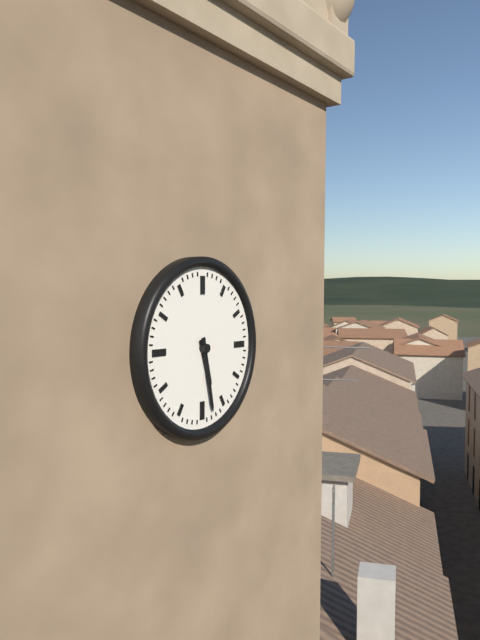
5:28
